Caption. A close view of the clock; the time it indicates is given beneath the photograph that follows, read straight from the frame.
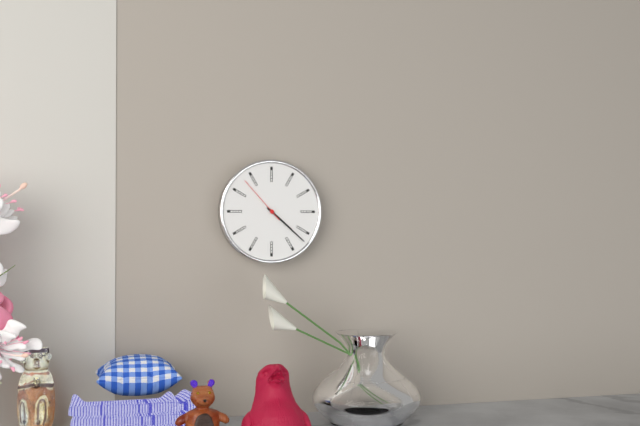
4:22:53
